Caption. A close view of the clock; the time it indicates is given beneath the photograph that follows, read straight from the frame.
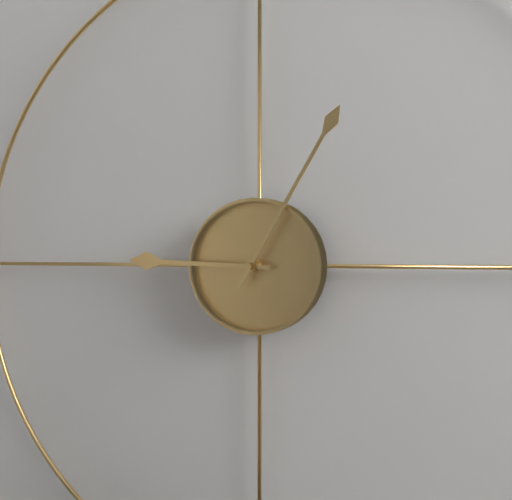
9:05
